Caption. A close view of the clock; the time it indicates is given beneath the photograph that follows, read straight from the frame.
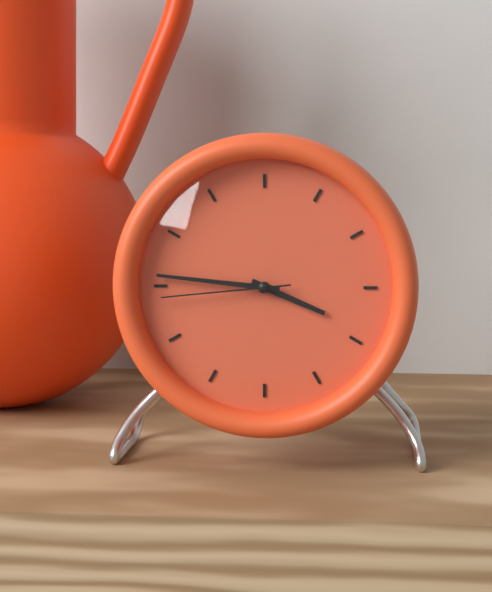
3:46:44
